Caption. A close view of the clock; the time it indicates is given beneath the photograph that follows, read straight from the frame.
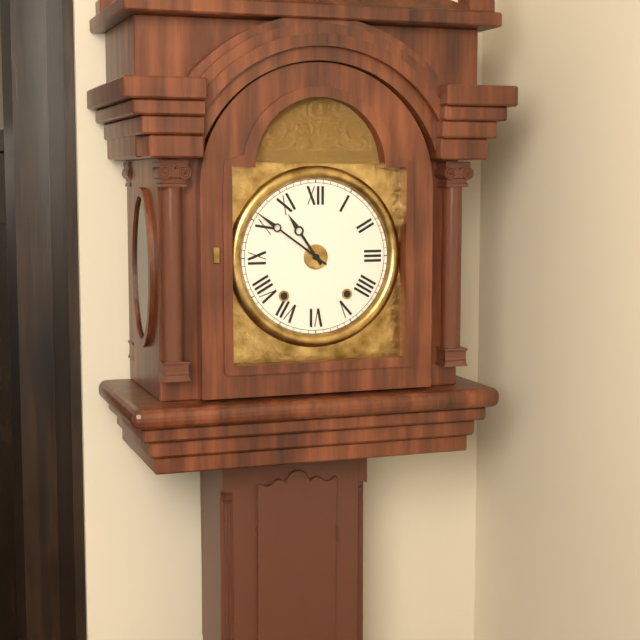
10:51
